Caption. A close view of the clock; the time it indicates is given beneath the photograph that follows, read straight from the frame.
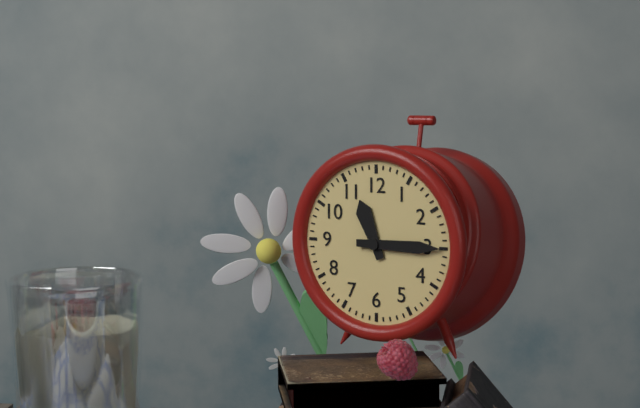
11:15
